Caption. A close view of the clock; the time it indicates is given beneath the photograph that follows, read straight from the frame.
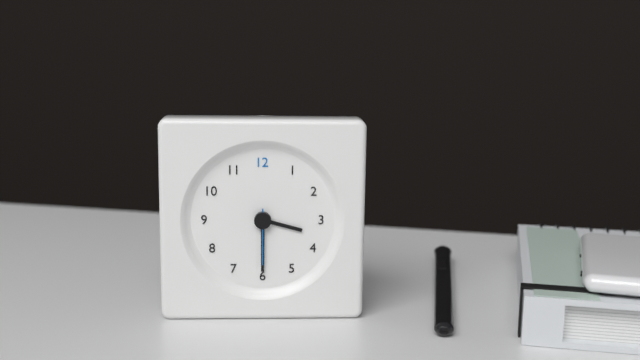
3:30:30
